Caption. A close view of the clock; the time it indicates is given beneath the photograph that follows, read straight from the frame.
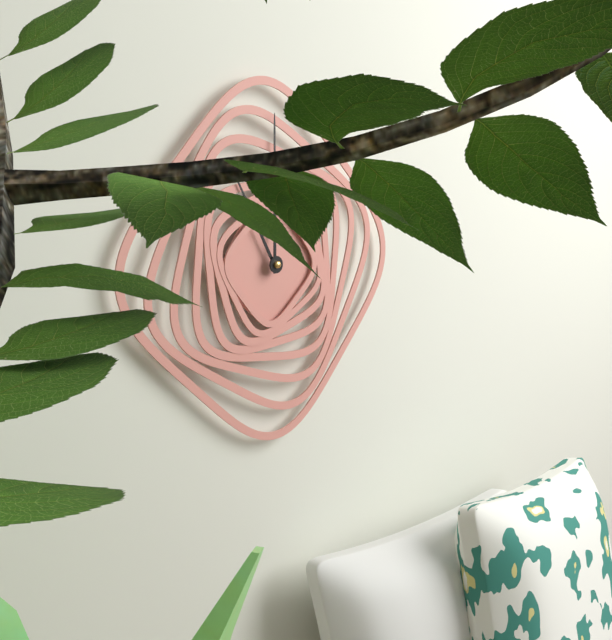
11:00
